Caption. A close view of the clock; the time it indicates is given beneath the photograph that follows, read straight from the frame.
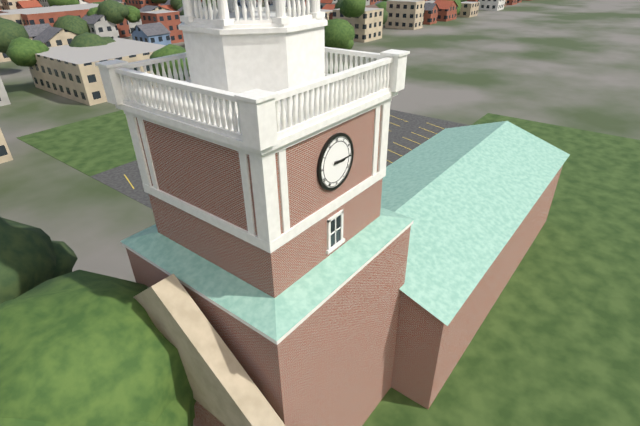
3:15
